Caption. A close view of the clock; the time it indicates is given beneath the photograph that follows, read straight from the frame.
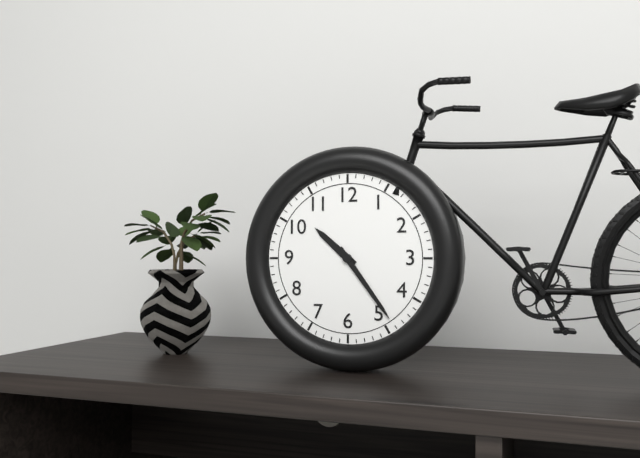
10:24
